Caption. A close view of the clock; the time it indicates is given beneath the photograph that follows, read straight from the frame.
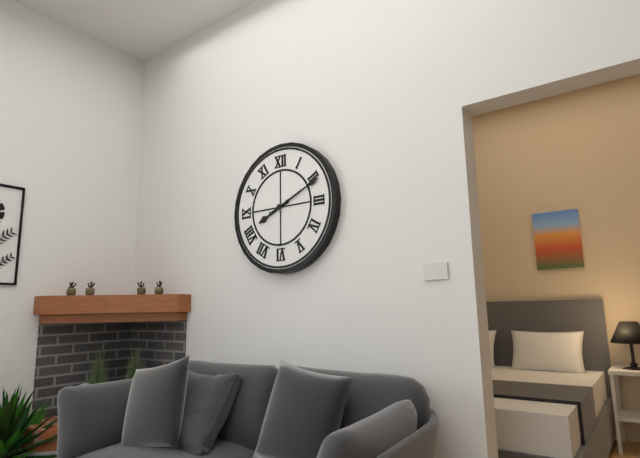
8:11
